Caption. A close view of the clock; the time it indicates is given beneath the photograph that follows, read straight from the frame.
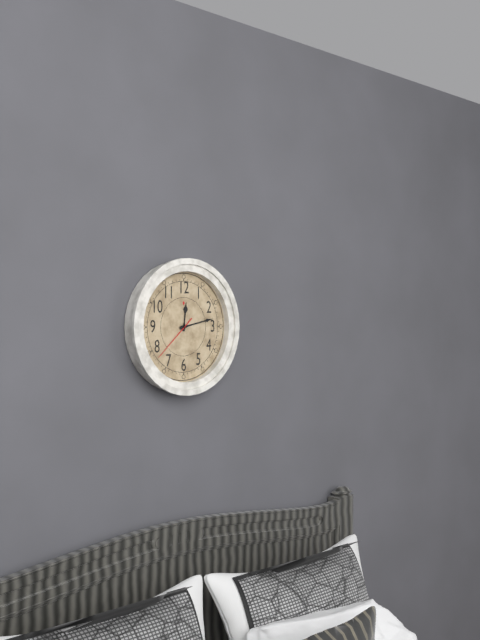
12:13:38
